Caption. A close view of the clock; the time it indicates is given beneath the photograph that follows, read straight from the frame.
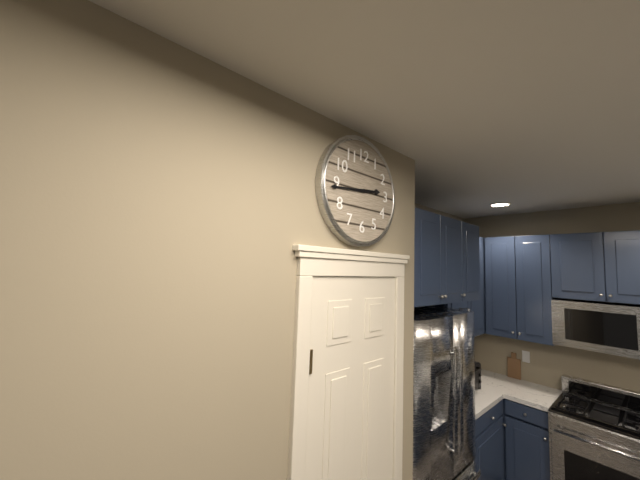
2:44
